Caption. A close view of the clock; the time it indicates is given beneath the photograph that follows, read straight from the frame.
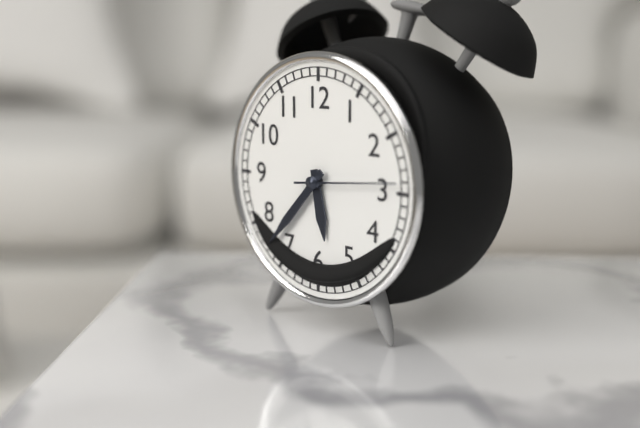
5:37:14
